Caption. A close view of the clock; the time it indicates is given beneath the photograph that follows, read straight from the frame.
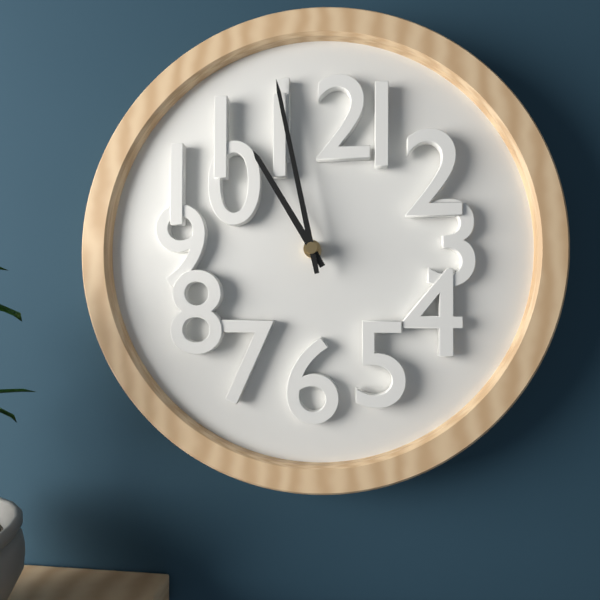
10:58
